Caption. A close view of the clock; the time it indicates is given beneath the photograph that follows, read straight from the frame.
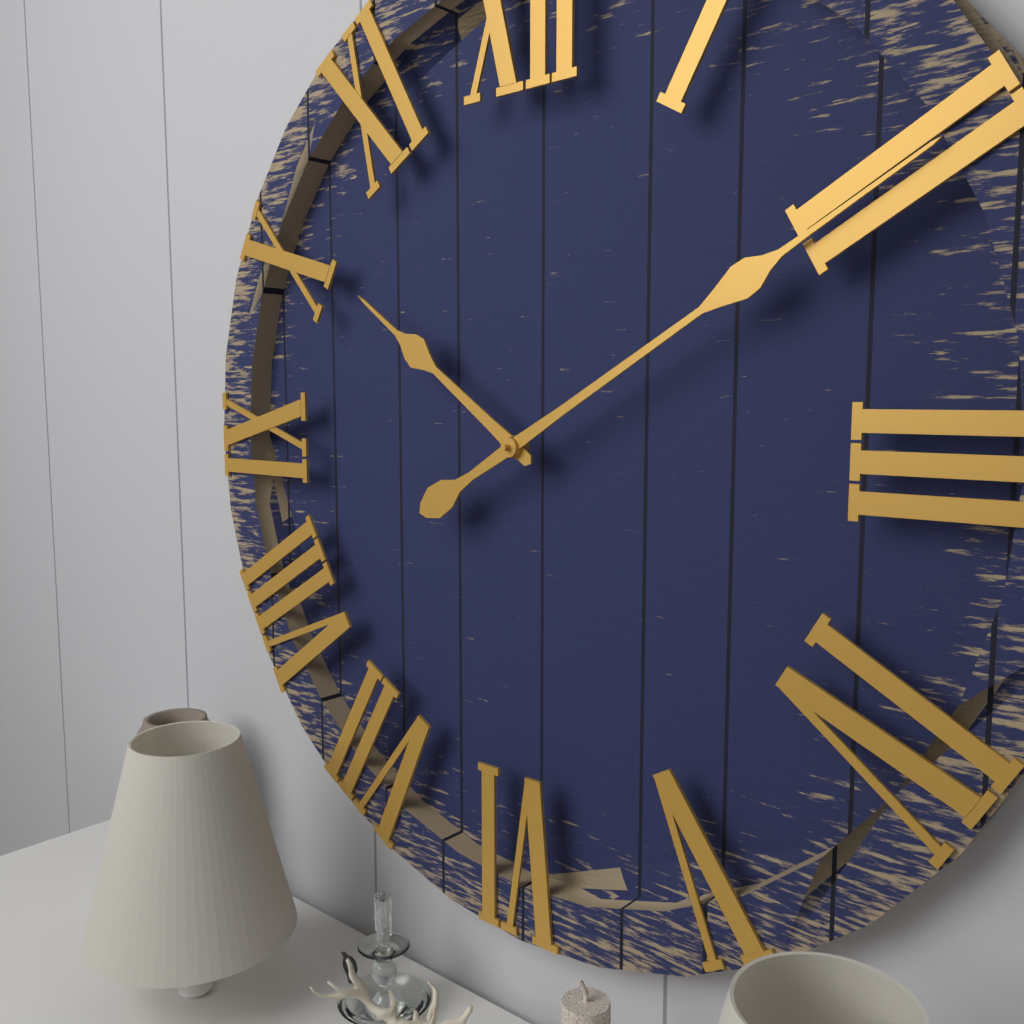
10:10
